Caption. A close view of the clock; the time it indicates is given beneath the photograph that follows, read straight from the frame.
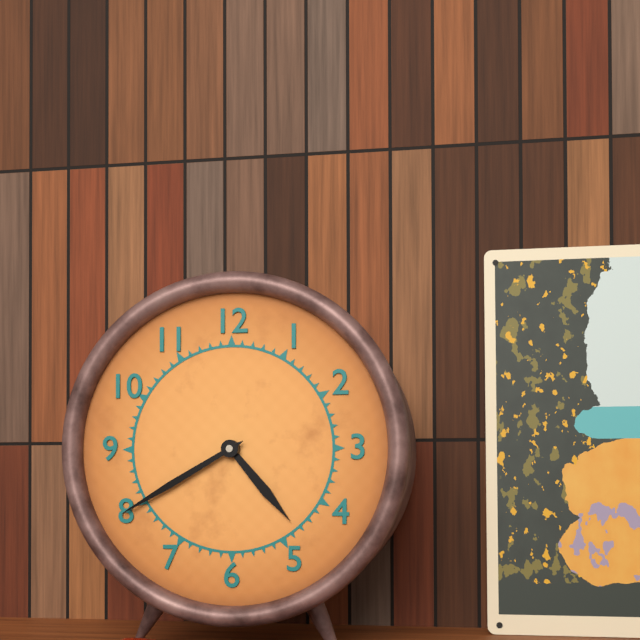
4:40
